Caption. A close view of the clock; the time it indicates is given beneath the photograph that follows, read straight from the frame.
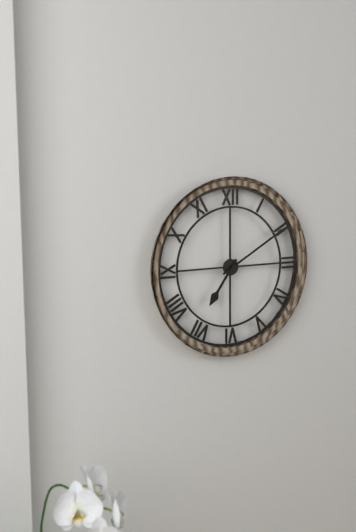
7:10
